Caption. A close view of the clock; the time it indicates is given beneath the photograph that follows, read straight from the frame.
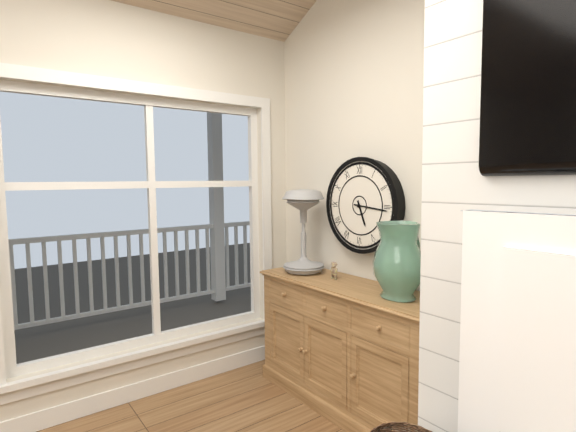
5:16
